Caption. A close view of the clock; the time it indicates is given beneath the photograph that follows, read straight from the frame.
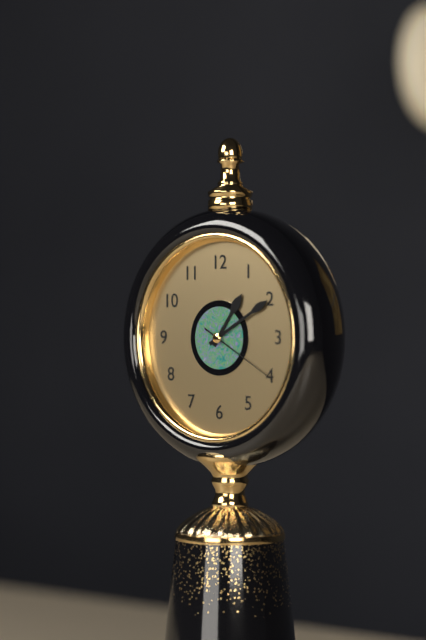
1:10:20
